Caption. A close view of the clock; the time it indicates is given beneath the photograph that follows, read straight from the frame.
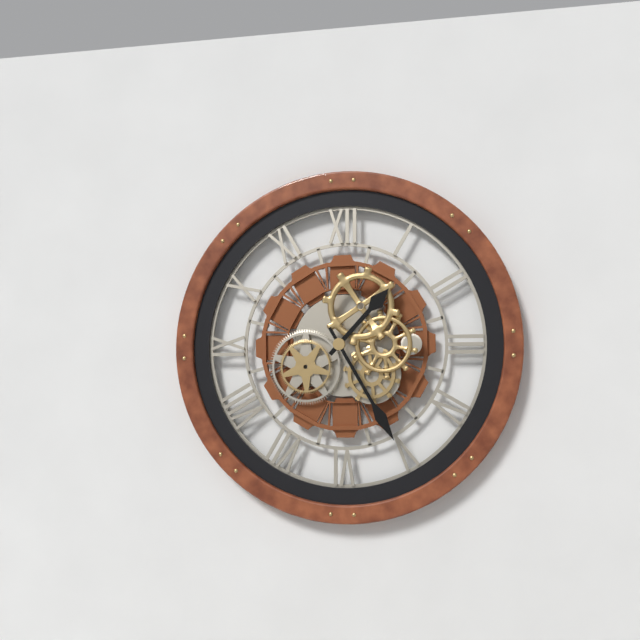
1:25
